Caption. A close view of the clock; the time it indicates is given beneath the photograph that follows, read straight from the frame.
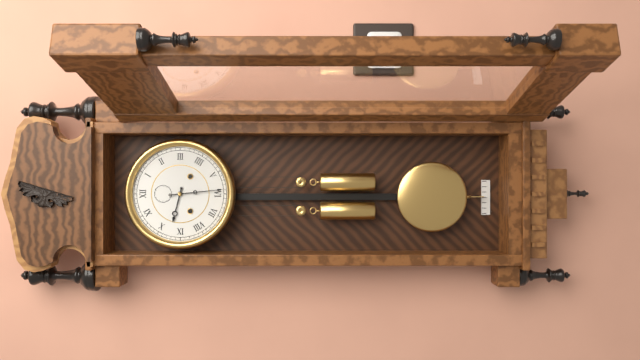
9:29
